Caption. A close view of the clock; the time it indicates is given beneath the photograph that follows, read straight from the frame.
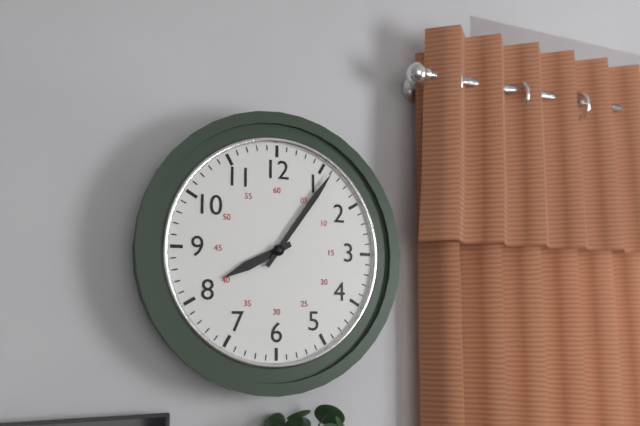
8:06
